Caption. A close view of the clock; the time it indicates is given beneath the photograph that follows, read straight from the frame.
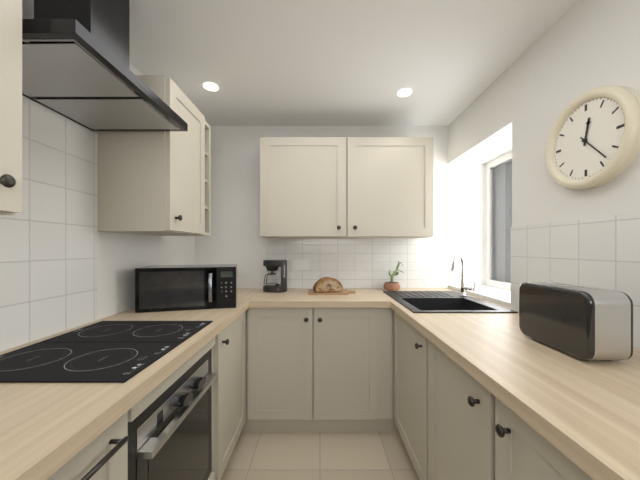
12:23
